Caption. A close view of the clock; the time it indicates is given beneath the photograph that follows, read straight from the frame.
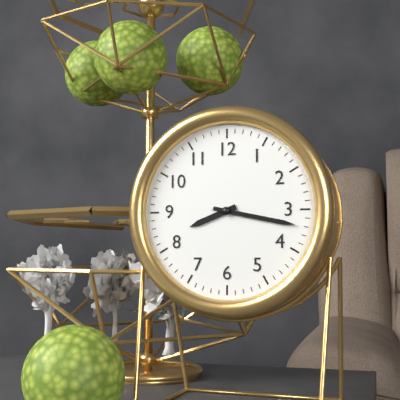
8:17
